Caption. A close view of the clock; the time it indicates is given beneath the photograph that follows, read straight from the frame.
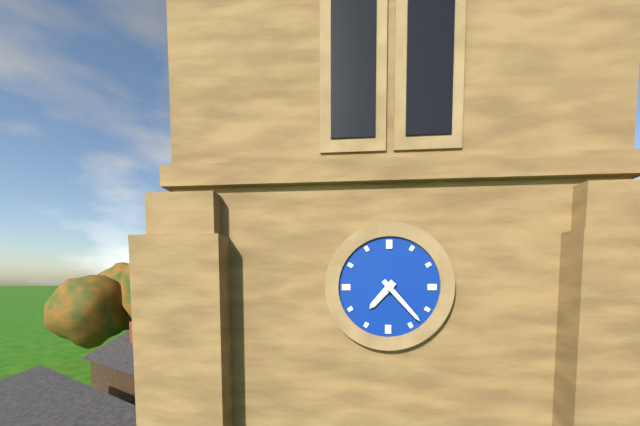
7:23
